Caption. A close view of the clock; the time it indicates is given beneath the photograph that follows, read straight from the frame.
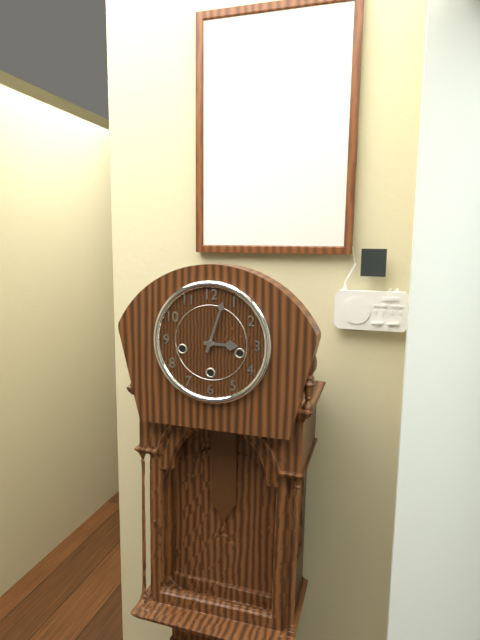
3:03
